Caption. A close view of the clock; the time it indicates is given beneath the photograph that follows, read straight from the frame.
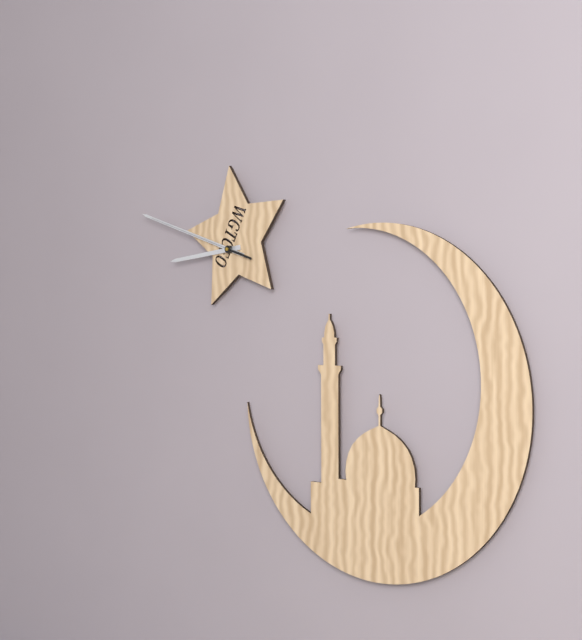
8:48:48
